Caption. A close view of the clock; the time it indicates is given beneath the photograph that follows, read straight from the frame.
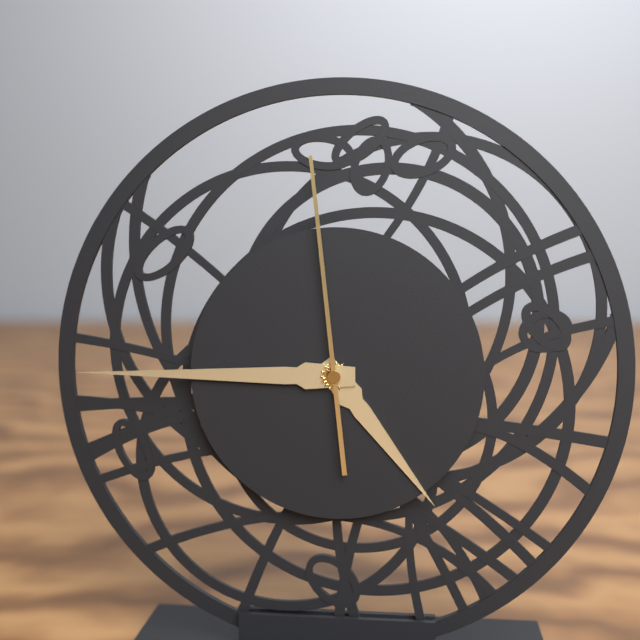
4:45:59
